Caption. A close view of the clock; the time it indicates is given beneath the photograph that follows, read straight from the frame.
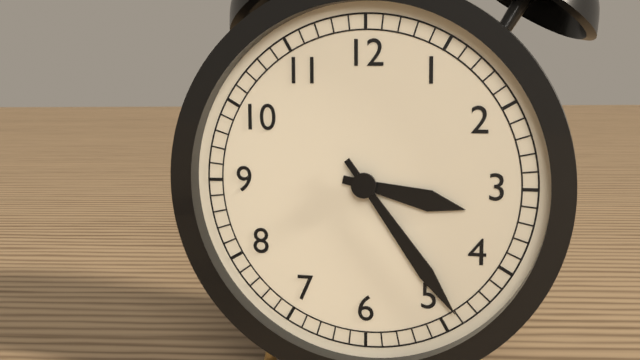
3:24
